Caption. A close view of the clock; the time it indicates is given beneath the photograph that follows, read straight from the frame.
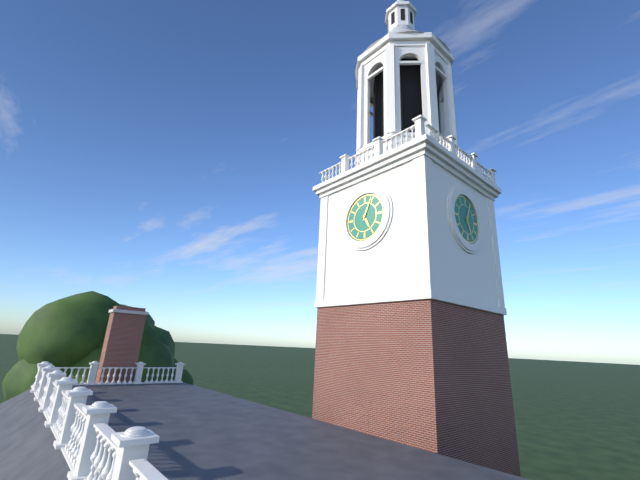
5:04
